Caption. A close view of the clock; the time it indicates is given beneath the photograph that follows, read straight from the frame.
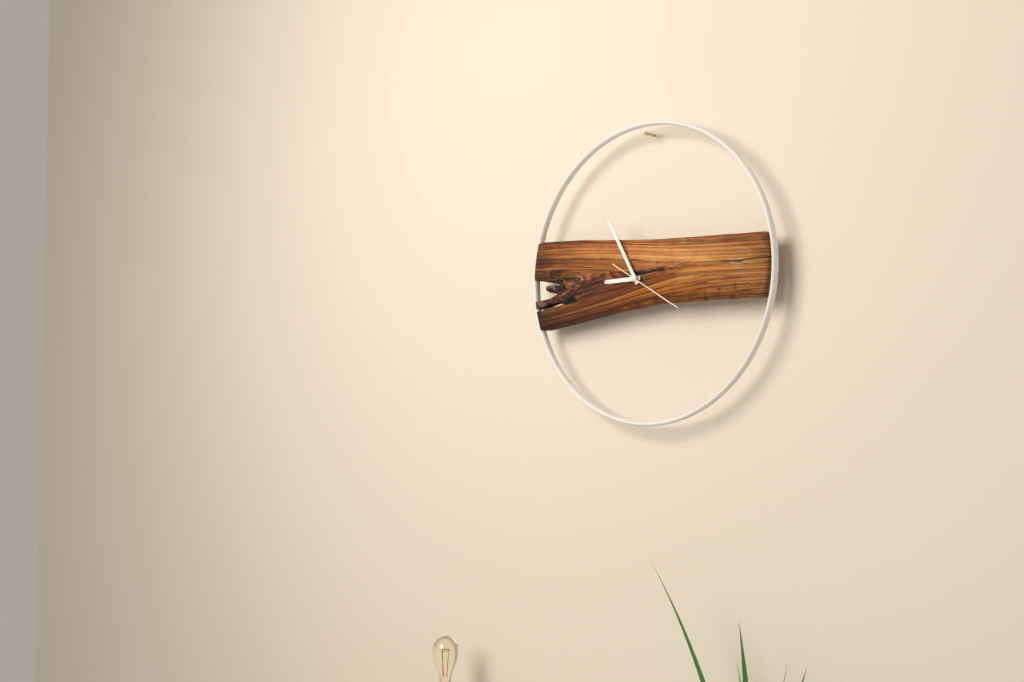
8:55:20
